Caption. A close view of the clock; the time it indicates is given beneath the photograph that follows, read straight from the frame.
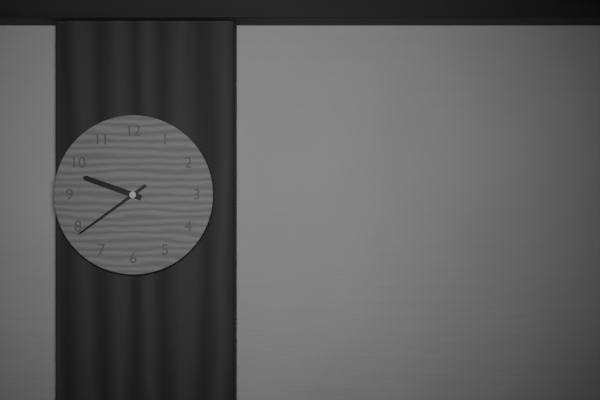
9:39
